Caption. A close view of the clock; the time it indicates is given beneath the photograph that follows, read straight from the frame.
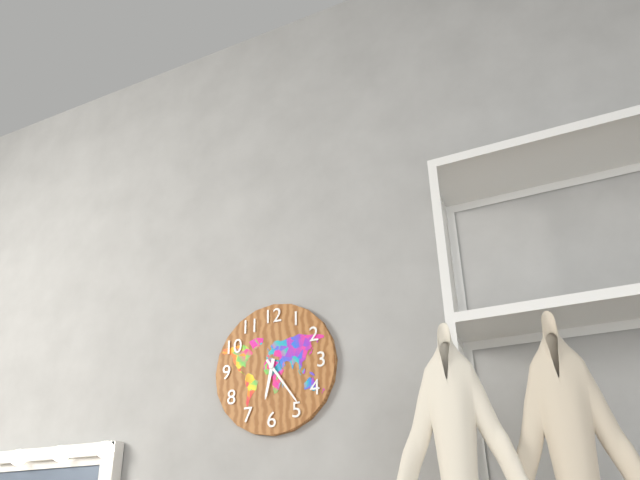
6:24
